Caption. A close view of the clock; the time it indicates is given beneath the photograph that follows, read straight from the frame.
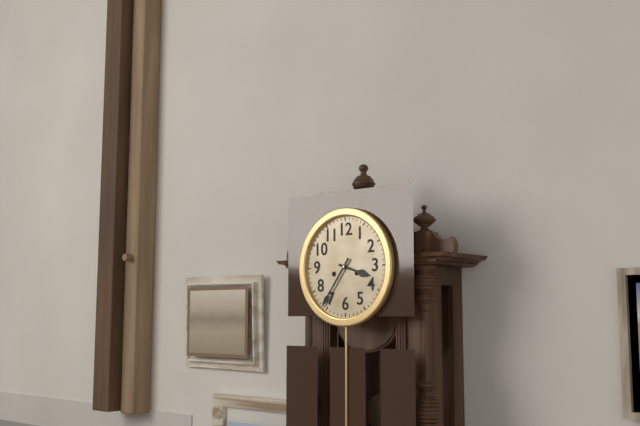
3:36
